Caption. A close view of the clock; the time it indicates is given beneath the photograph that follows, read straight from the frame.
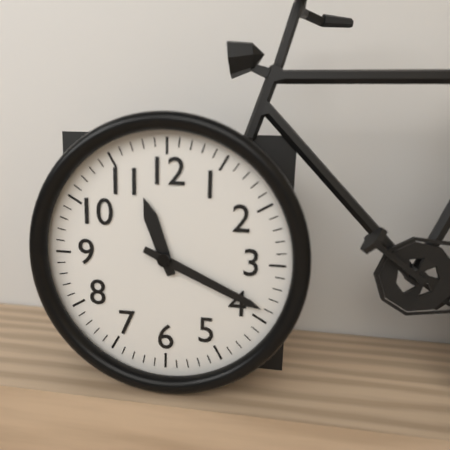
11:19
